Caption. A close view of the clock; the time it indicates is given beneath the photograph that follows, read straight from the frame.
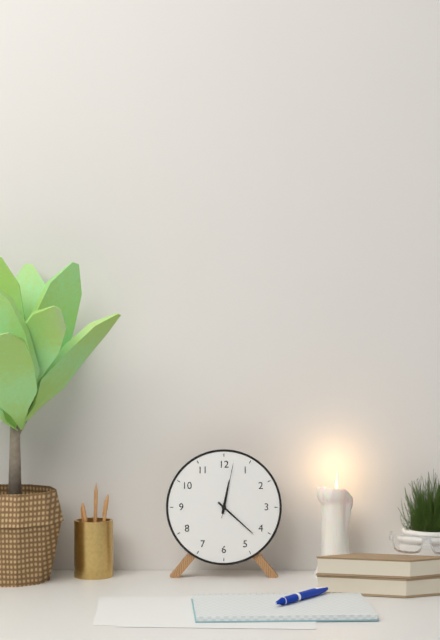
12:22:02
